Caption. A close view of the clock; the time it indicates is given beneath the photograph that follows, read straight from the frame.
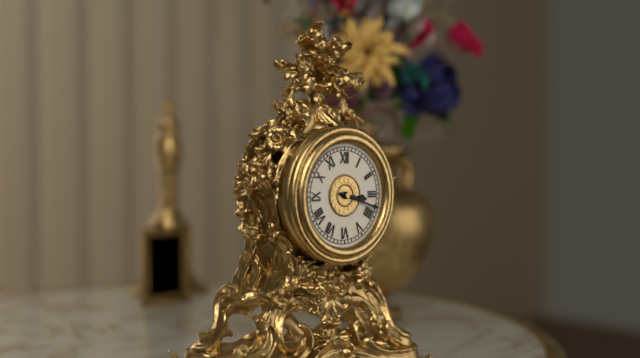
3:18
